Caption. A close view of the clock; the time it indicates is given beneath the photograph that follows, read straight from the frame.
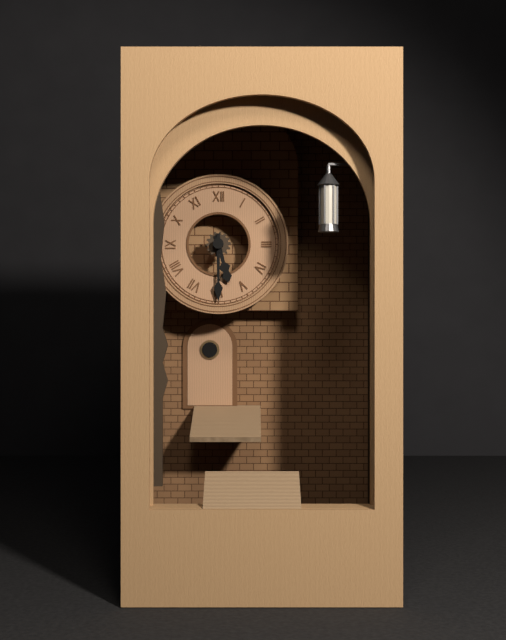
5:30
